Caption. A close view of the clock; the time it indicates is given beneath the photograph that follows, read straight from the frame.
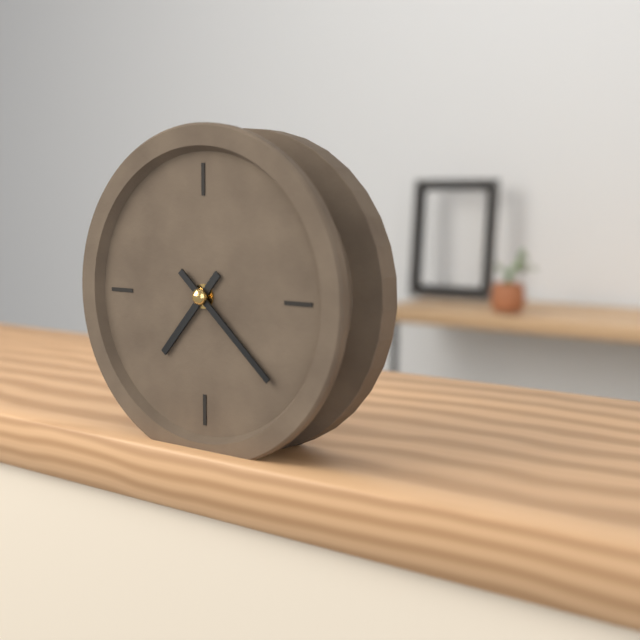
7:22
